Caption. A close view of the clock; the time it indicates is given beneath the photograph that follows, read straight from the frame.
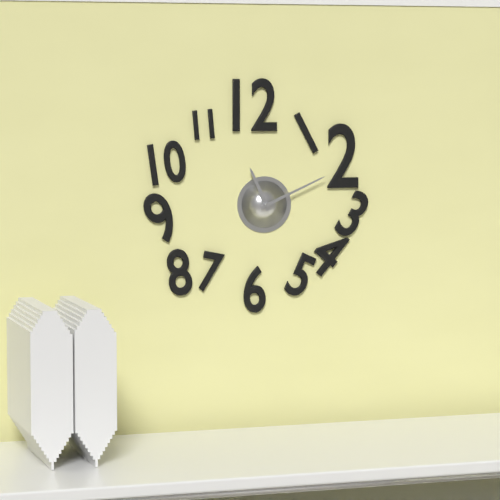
11:11
